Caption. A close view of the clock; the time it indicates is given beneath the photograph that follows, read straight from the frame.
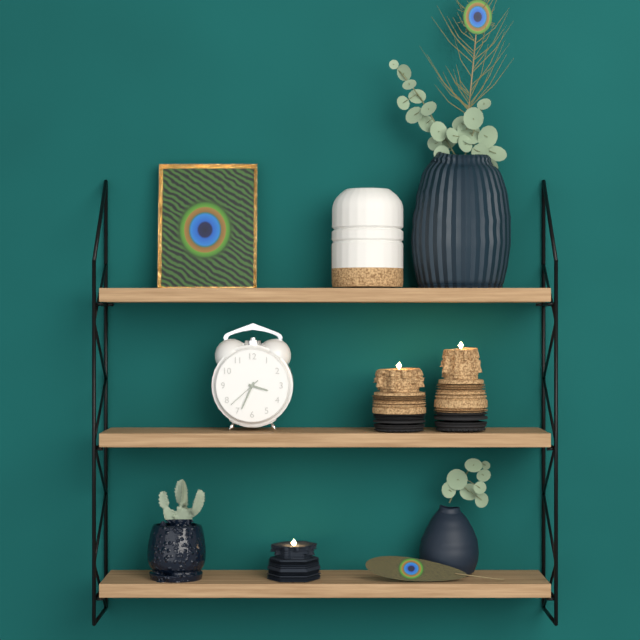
3:34
